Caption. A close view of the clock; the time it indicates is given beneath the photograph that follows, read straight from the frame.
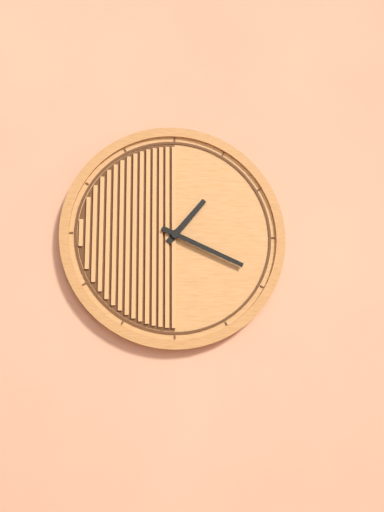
1:19
